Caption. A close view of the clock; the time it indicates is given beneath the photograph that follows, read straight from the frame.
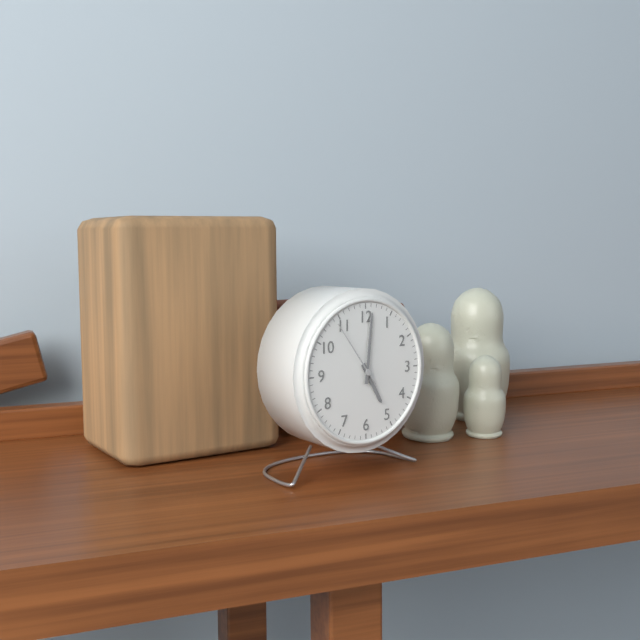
5:01:54
